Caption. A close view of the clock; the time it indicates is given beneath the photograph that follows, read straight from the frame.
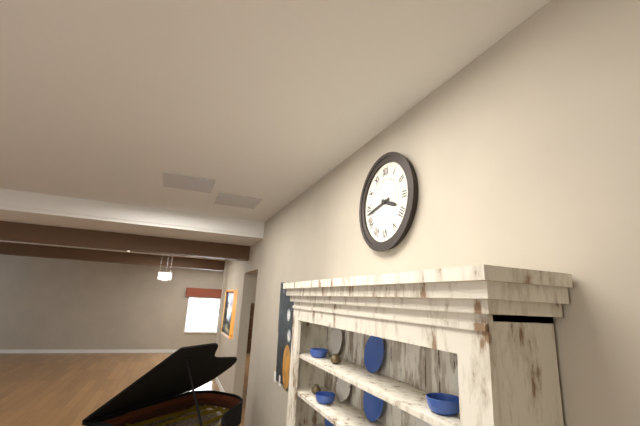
3:43
